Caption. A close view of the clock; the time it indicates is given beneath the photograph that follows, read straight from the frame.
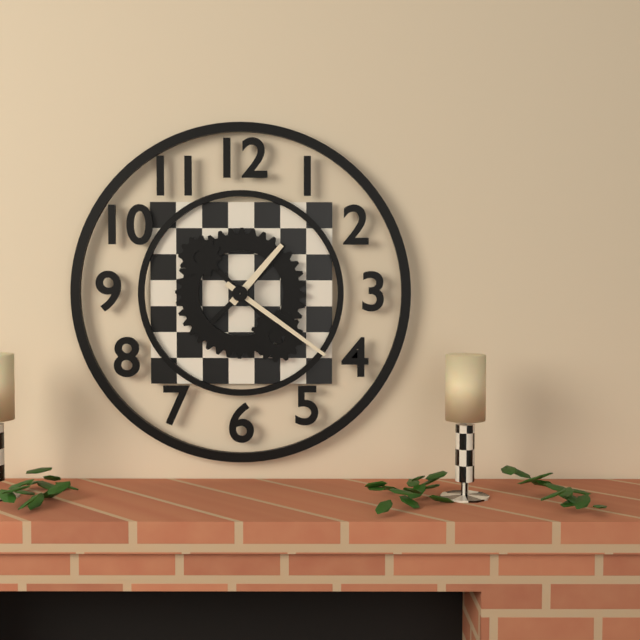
1:21
